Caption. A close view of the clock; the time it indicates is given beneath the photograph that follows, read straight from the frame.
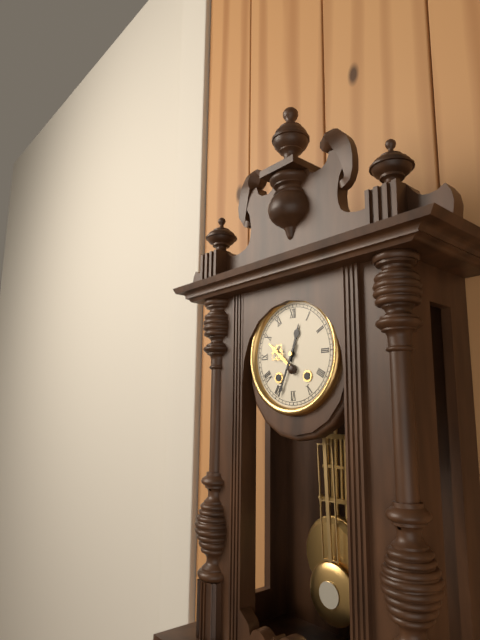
12:34
